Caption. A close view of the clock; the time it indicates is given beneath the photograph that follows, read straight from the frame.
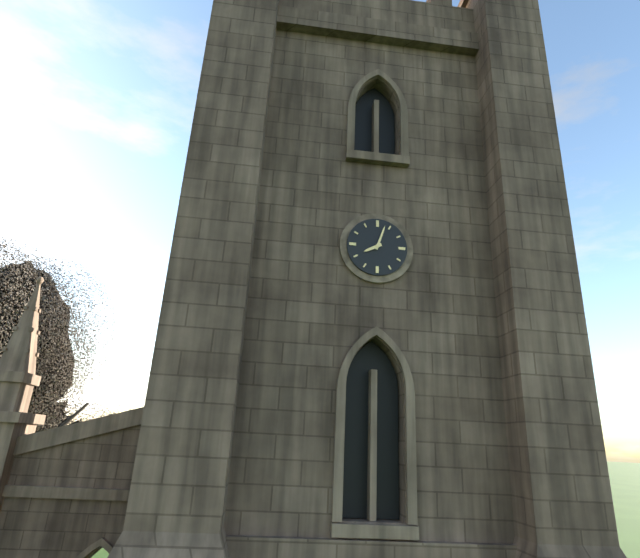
8:03
